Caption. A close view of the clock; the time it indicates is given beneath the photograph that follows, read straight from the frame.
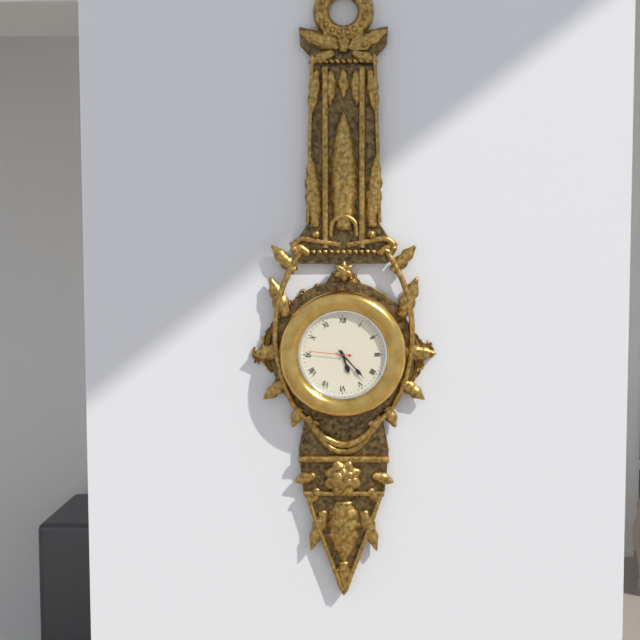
5:23
